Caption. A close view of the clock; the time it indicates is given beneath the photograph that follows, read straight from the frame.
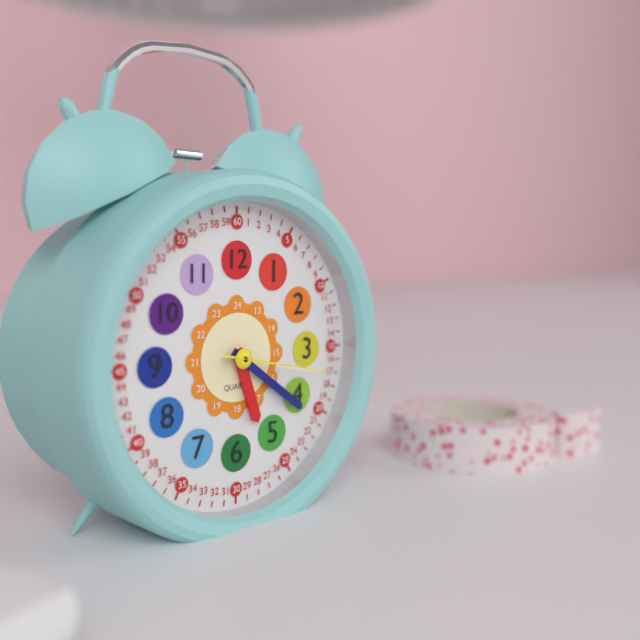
5:21:17
